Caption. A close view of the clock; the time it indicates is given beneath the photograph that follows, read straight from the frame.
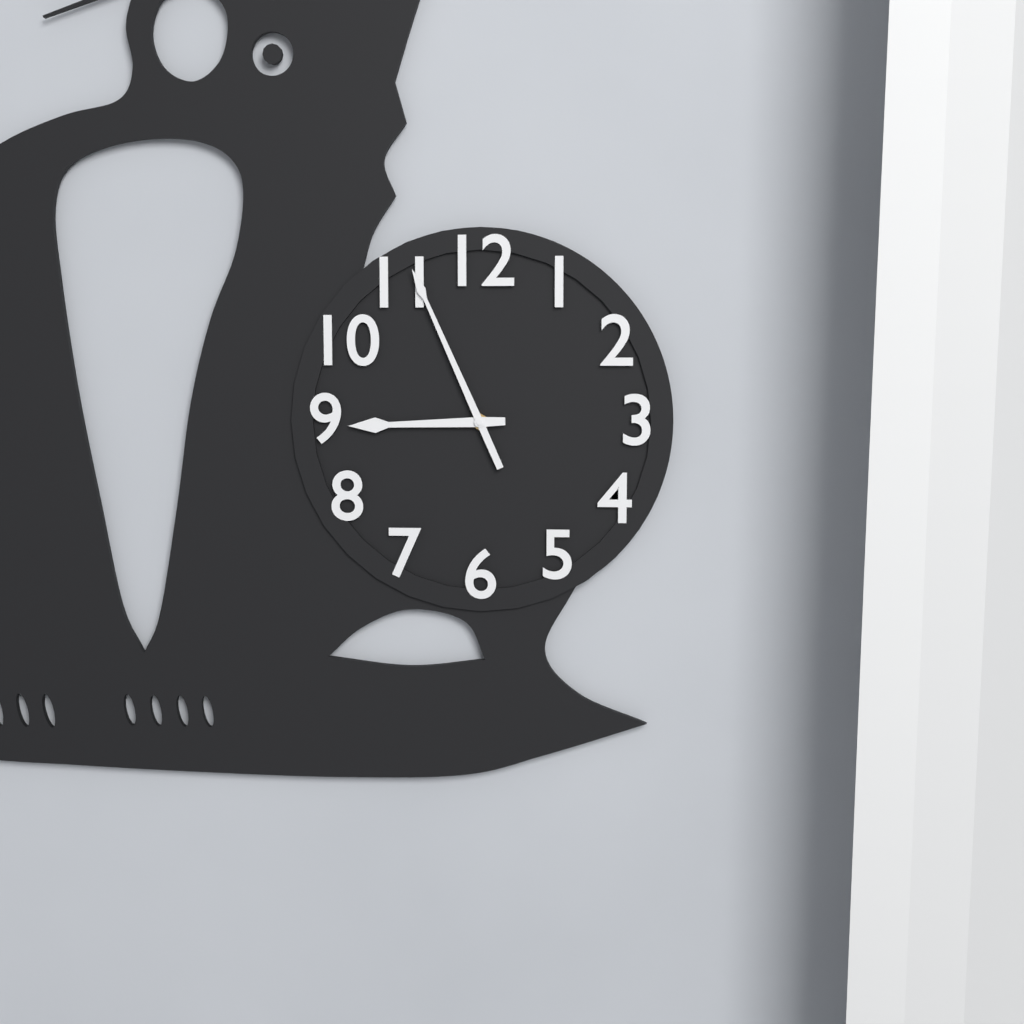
8:56
